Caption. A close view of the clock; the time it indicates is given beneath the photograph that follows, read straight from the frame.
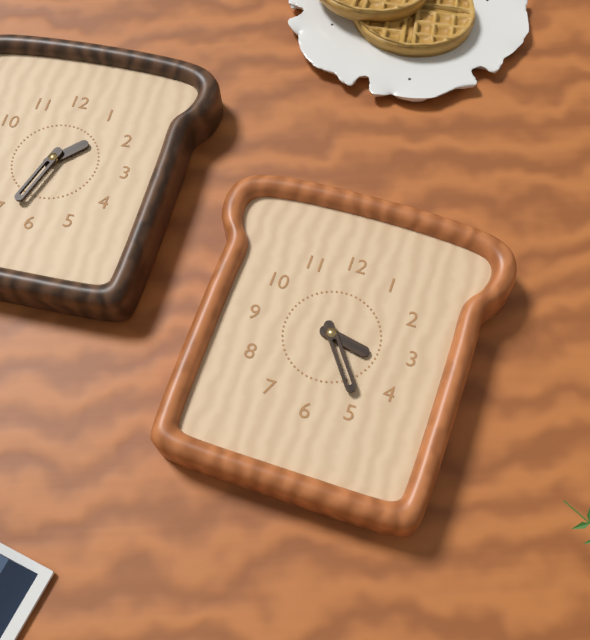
3:24
